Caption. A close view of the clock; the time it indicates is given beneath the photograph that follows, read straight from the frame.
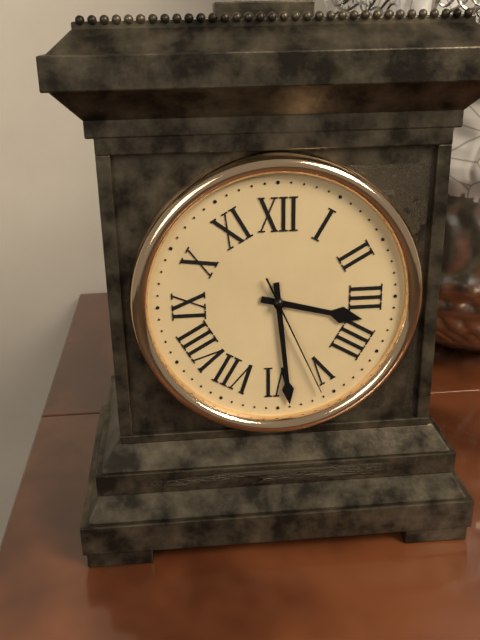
3:29:26
